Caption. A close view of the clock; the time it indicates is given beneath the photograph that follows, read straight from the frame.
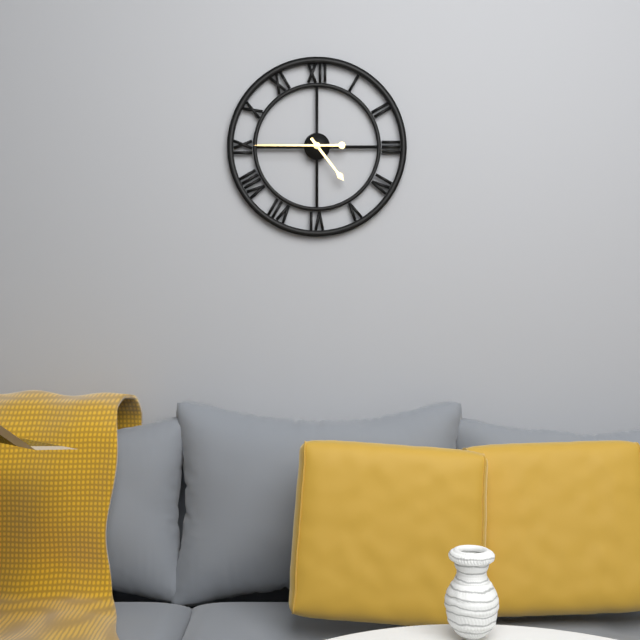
4:45
